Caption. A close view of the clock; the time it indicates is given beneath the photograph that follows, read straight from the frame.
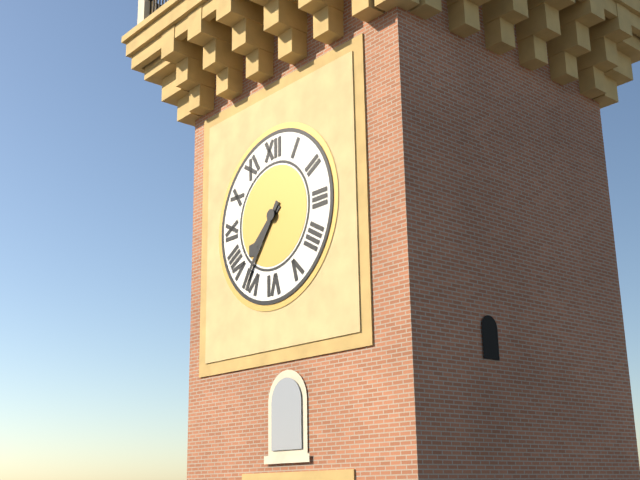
7:36
